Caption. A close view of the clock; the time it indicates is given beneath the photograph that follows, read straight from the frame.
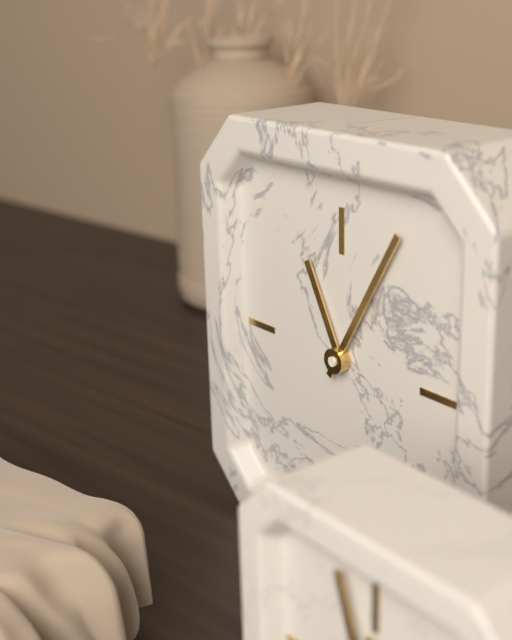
11:05
